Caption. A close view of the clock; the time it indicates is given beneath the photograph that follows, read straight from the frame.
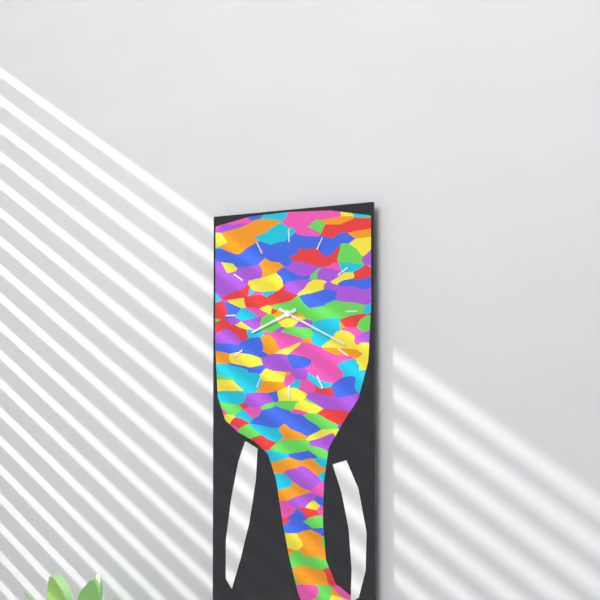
8:19
